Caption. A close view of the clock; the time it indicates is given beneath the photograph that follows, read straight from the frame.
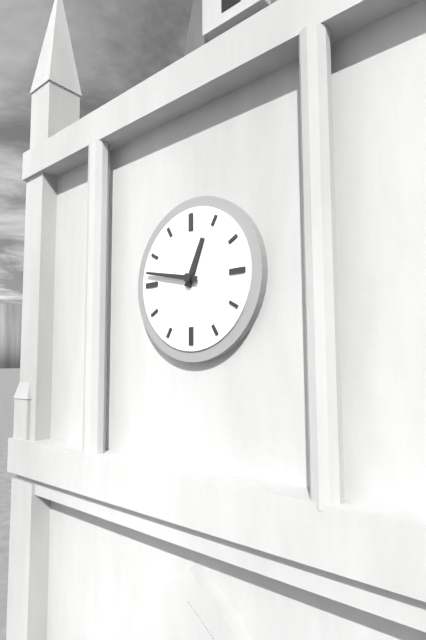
12:47
